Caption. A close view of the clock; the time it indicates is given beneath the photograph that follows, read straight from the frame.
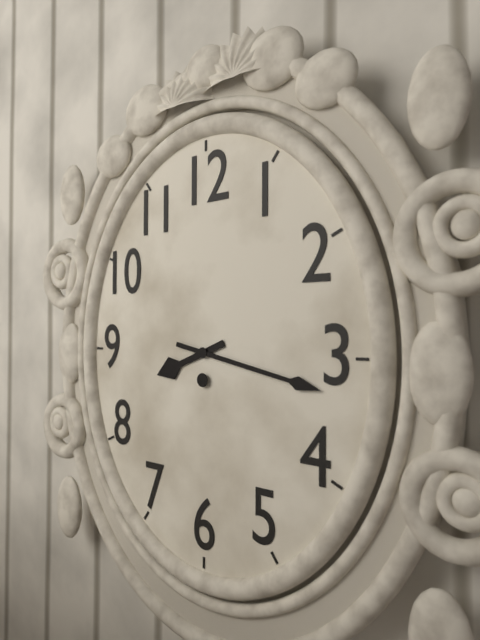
8:17
